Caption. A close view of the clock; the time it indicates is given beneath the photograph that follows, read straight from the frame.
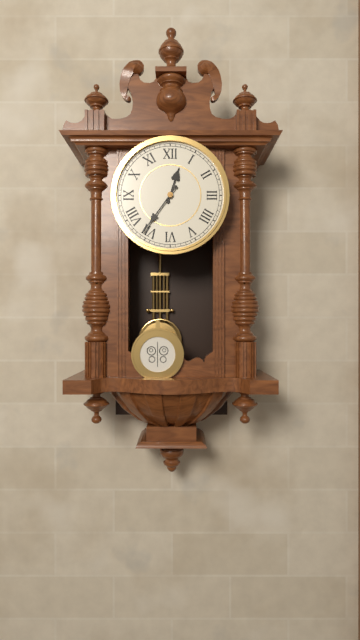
12:36
